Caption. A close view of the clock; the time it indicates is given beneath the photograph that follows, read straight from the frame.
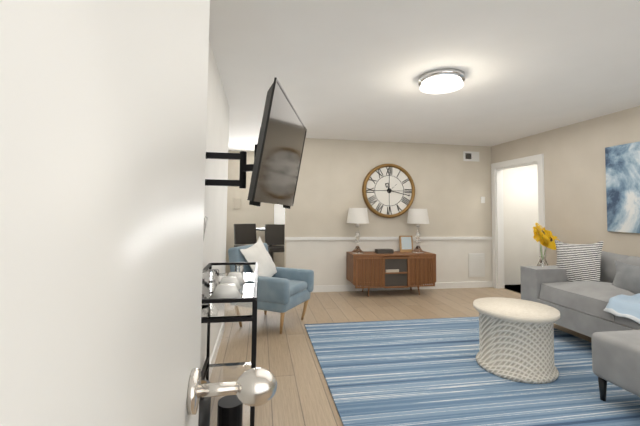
11:17
